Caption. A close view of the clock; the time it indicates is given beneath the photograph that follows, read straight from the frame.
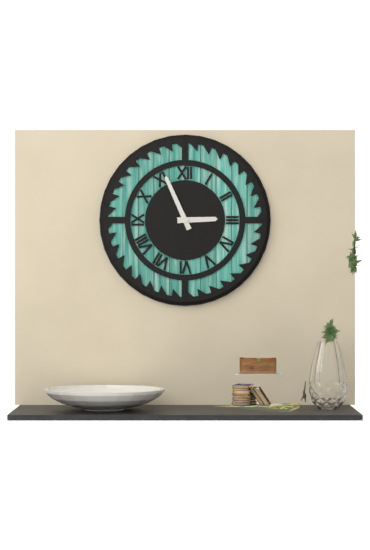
2:56
